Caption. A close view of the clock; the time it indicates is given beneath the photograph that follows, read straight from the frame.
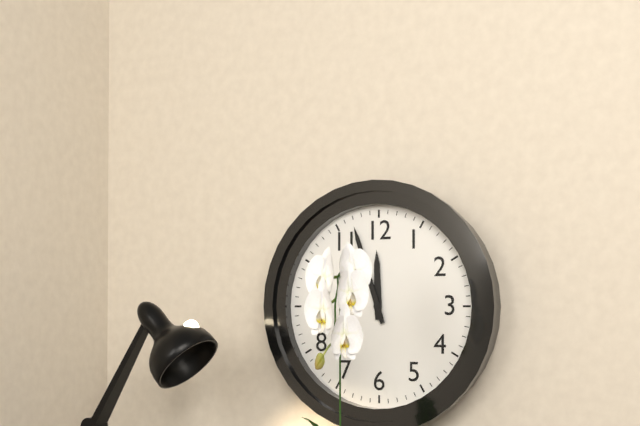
11:57
